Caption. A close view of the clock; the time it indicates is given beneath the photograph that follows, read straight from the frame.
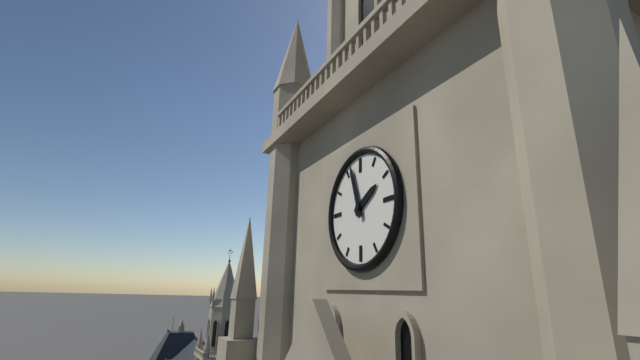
1:57
